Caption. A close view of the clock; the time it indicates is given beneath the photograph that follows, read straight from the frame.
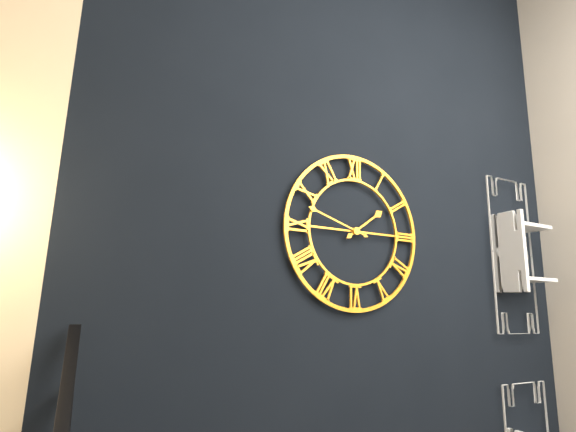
1:48
